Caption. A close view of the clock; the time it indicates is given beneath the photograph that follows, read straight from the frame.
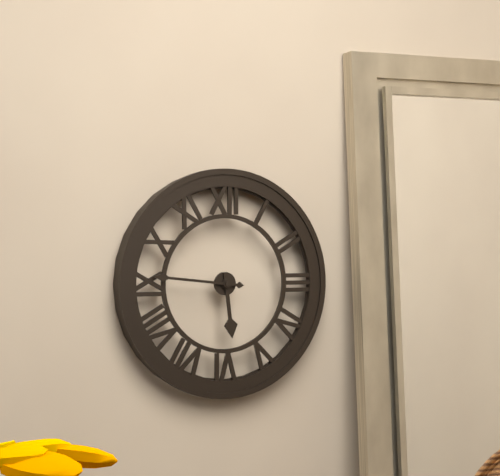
5:46
